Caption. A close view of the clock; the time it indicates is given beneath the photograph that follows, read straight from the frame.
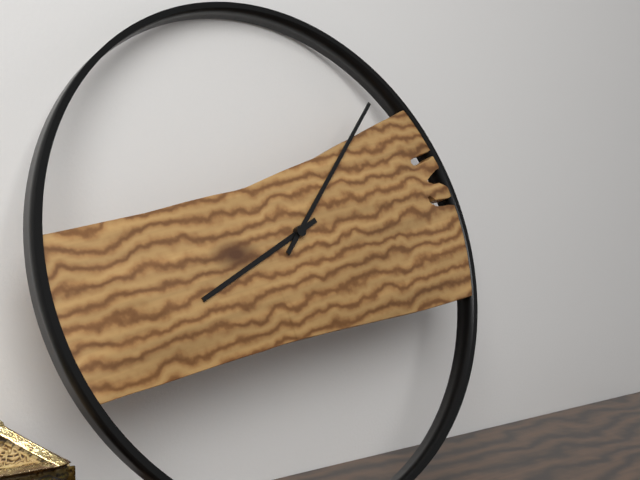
8:07
